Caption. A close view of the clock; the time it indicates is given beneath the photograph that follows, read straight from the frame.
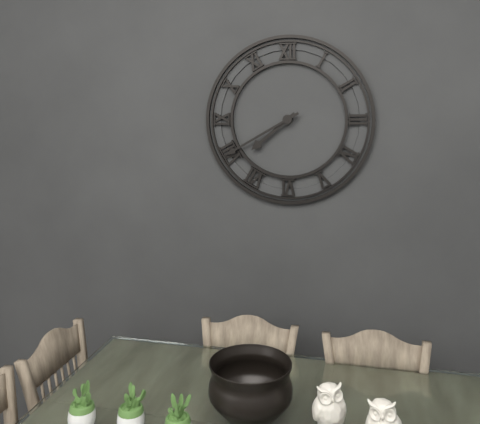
7:40
